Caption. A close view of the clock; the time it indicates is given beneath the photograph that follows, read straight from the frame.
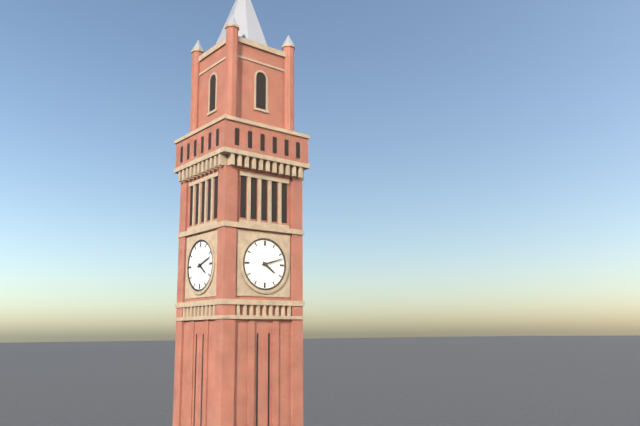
4:12
